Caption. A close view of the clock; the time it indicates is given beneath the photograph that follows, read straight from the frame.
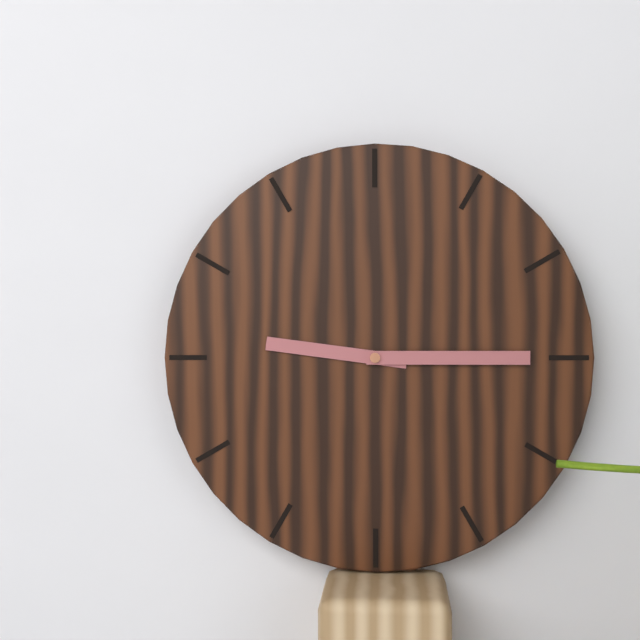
9:15
